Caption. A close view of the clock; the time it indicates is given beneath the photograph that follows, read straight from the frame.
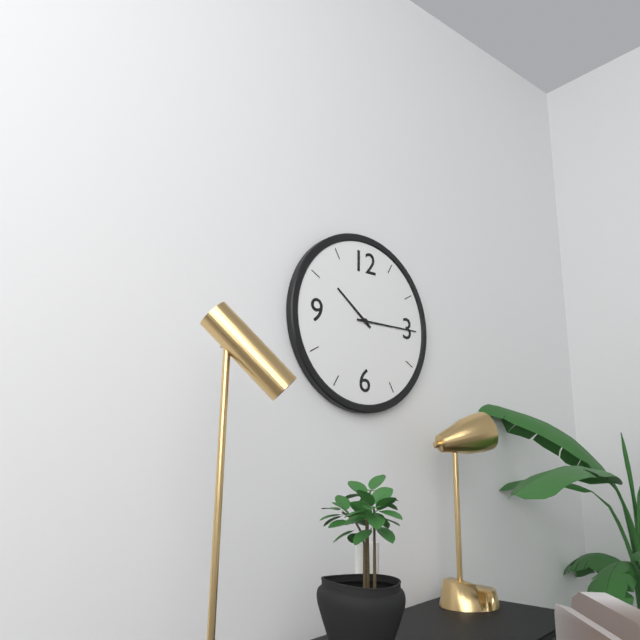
10:15
